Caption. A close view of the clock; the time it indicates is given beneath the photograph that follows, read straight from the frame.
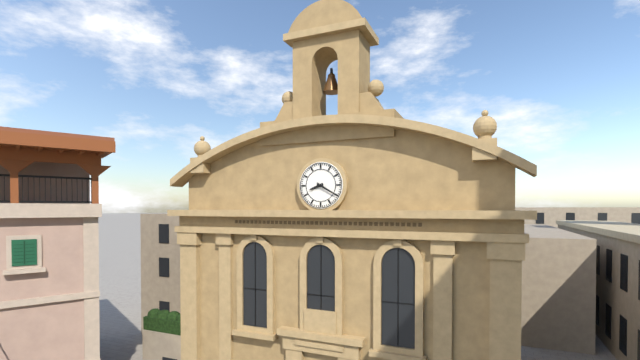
8:20
